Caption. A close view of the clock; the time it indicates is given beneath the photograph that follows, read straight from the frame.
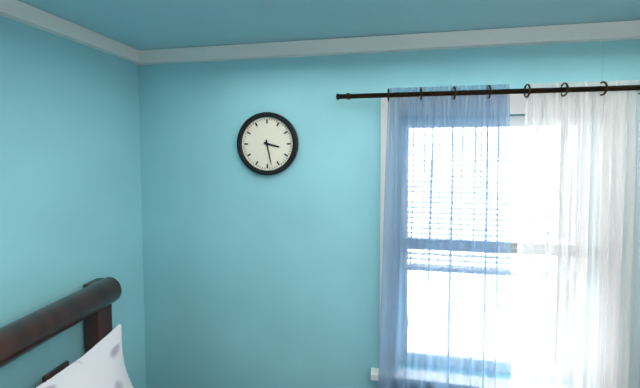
3:28
